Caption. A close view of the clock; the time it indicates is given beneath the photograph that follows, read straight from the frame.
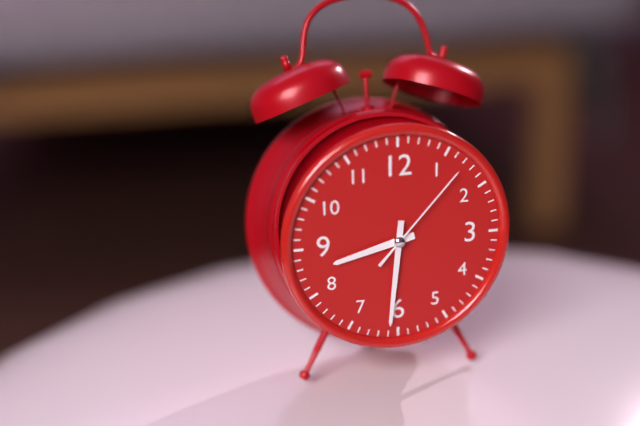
8:31:07
